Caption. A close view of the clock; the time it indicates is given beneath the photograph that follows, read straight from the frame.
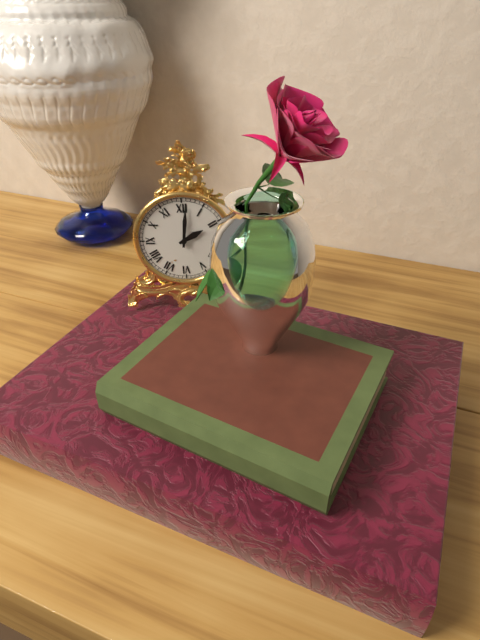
2:01
